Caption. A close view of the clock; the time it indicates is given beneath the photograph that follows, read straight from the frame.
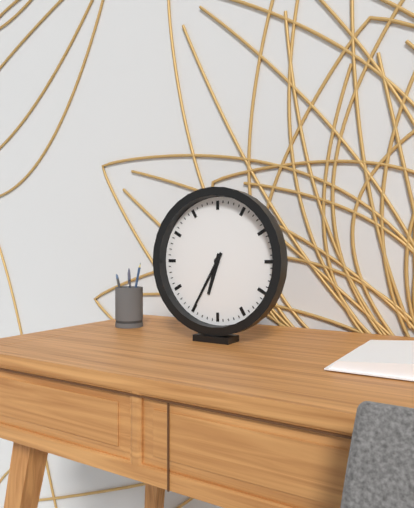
6:35
